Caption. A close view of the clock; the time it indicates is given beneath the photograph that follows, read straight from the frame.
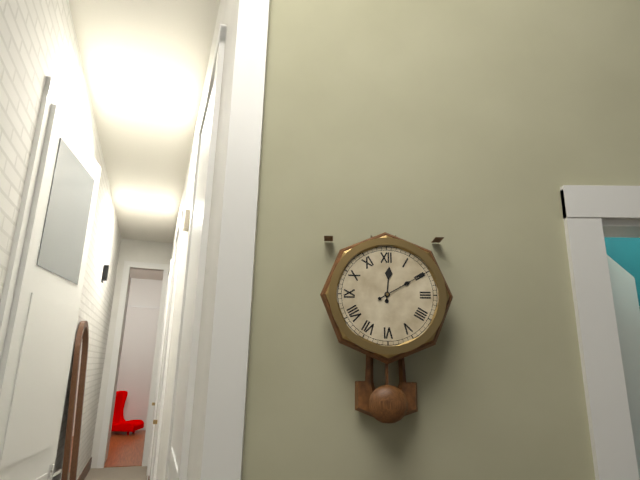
12:10
